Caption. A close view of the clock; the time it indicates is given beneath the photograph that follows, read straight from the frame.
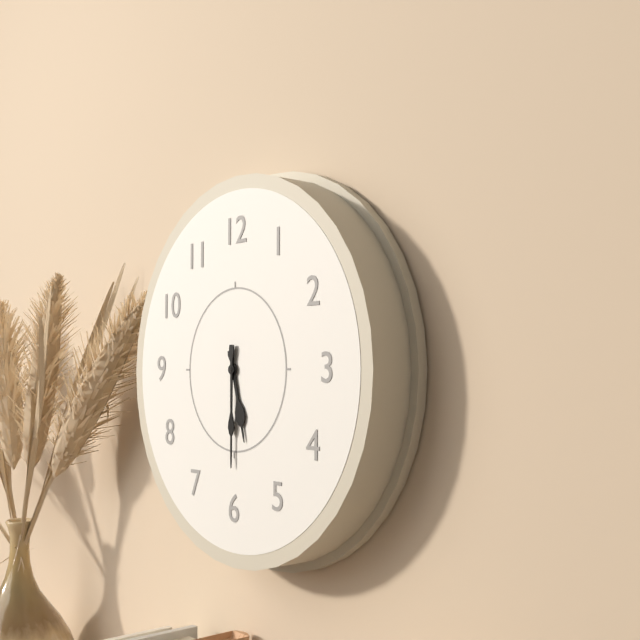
5:30
